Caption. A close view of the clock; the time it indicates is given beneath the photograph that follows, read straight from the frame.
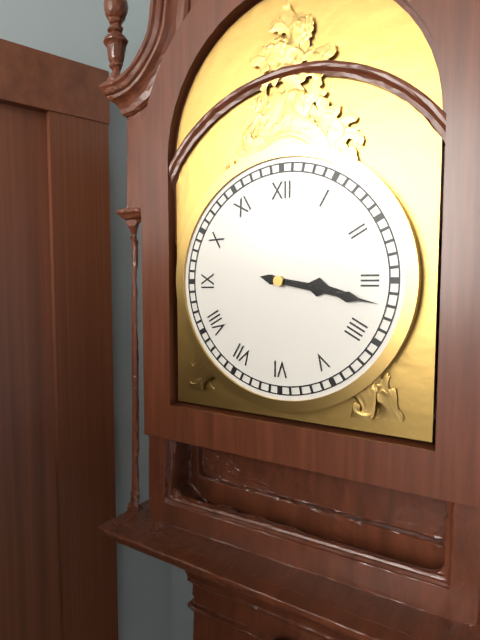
3:17
